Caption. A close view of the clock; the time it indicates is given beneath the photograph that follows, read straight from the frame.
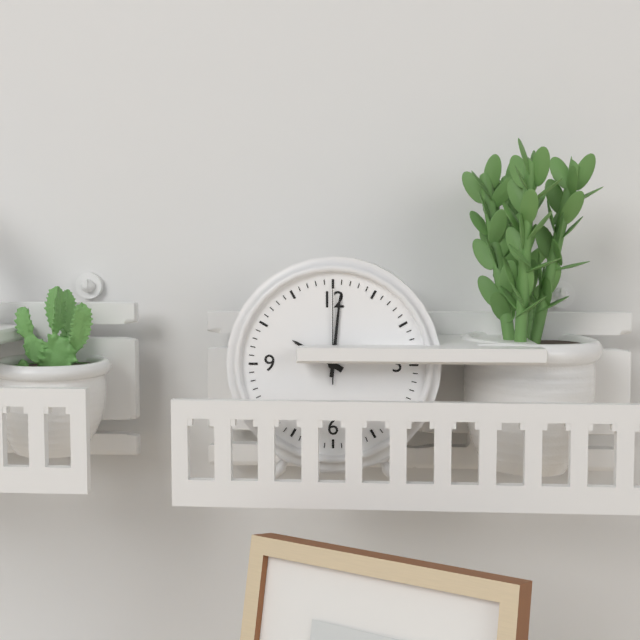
10:01:00
